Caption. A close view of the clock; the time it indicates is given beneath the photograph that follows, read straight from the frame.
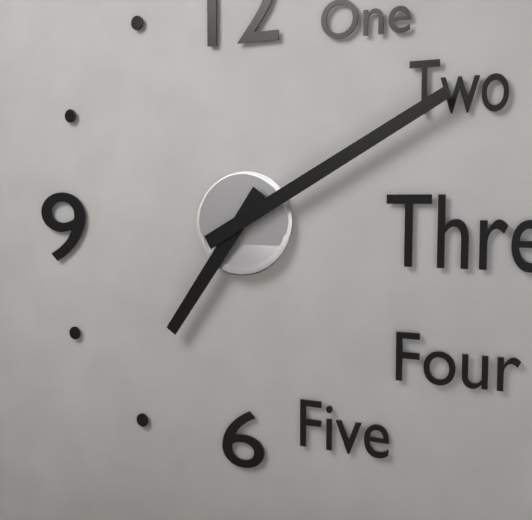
7:10
